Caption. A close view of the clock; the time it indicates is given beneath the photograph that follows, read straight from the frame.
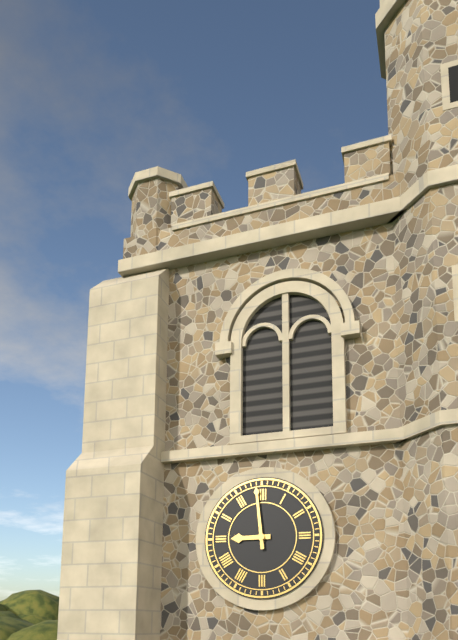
8:59
